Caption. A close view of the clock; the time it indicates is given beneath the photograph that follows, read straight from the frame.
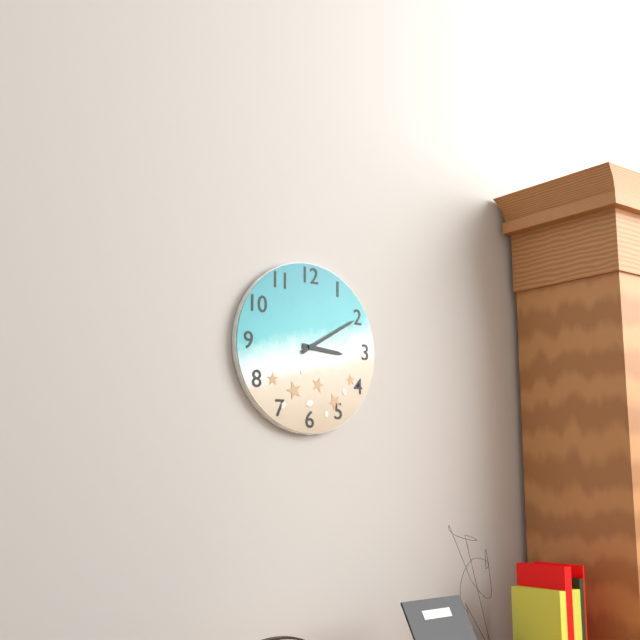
3:10
